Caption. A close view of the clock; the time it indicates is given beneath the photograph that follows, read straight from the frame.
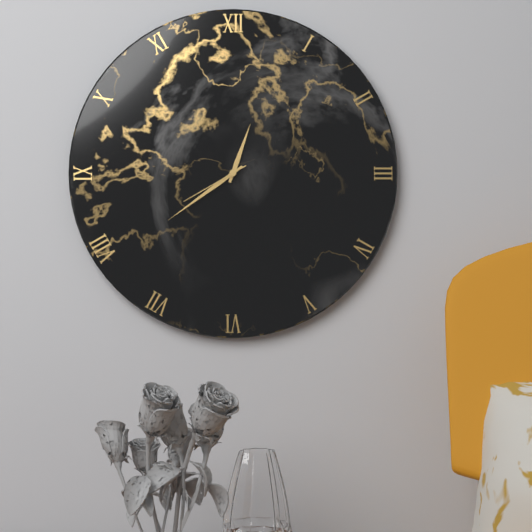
12:39:40
